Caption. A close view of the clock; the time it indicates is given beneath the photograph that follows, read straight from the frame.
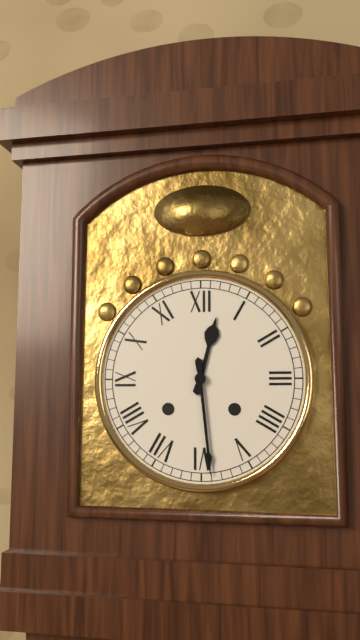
12:29
